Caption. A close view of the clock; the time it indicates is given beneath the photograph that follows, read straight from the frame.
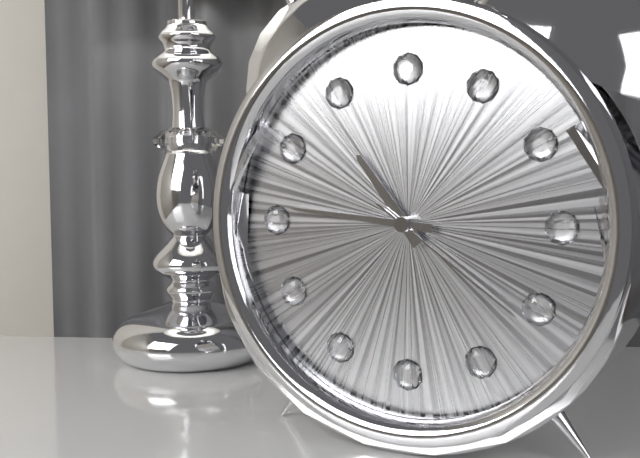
10:46:21
